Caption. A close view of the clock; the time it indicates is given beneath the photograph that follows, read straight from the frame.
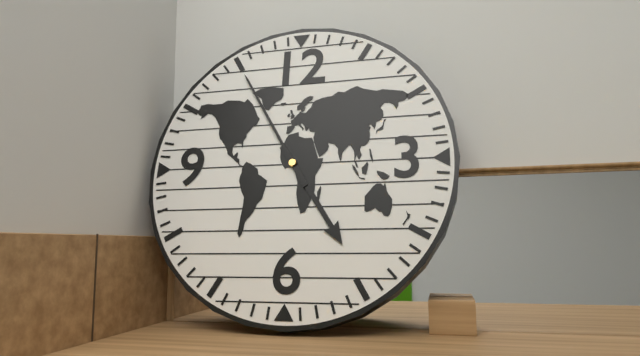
4:55
